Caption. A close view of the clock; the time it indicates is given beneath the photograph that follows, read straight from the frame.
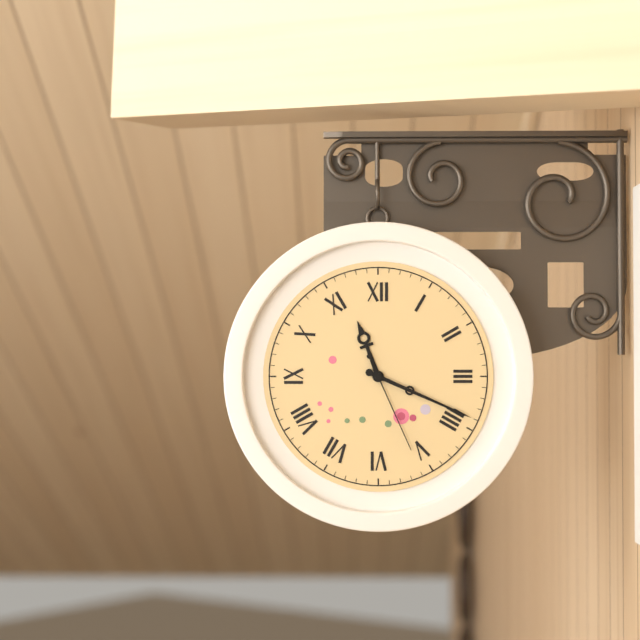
11:19:26
